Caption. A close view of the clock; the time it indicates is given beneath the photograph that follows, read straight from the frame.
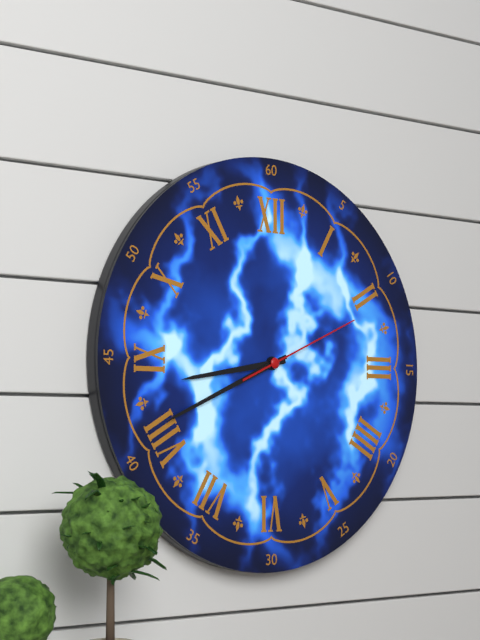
8:41:11
